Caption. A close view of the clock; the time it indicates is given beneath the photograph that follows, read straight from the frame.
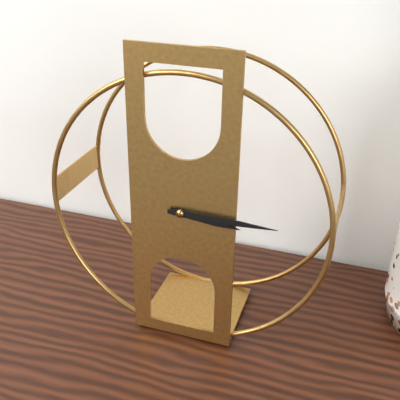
3:15
